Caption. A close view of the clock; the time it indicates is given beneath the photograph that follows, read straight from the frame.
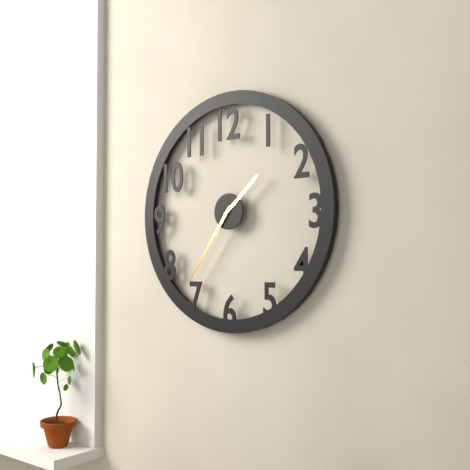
1:36
